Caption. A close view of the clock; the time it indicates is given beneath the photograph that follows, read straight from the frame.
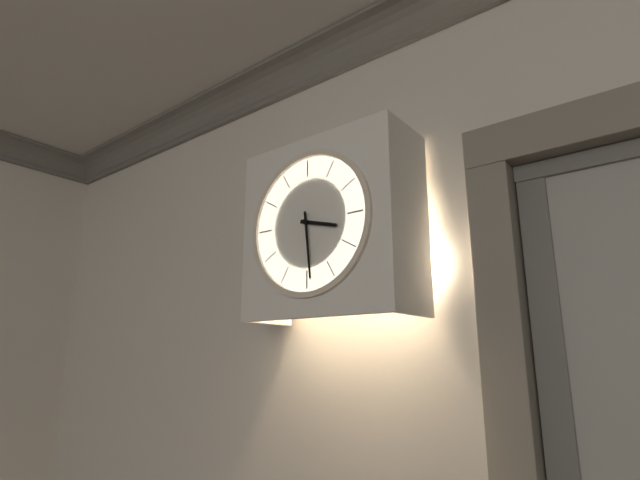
3:29
